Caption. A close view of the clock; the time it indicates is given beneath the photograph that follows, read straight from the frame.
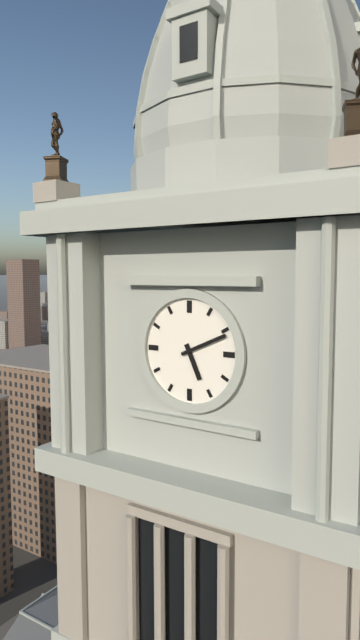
5:11
